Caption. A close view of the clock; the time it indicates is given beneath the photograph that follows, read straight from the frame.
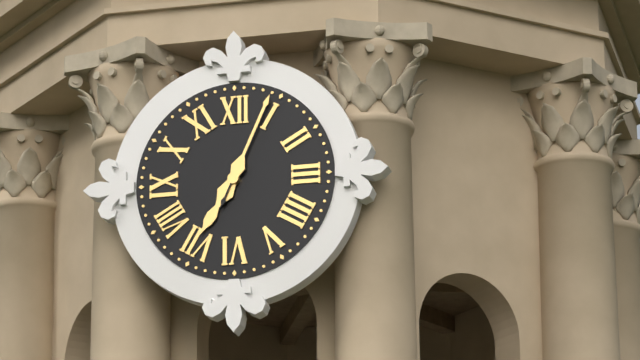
7:04
